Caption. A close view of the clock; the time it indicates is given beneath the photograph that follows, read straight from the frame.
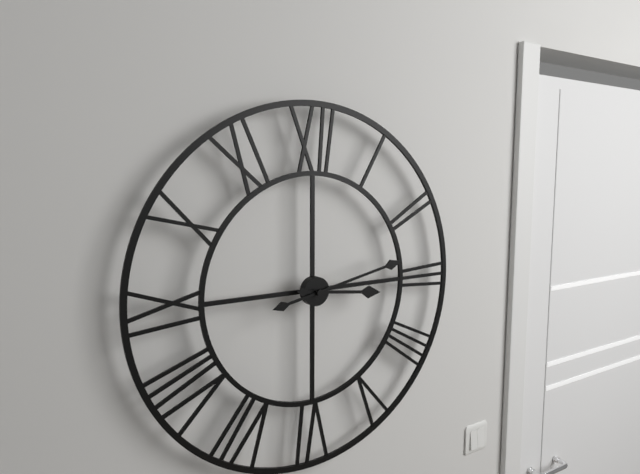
3:13
